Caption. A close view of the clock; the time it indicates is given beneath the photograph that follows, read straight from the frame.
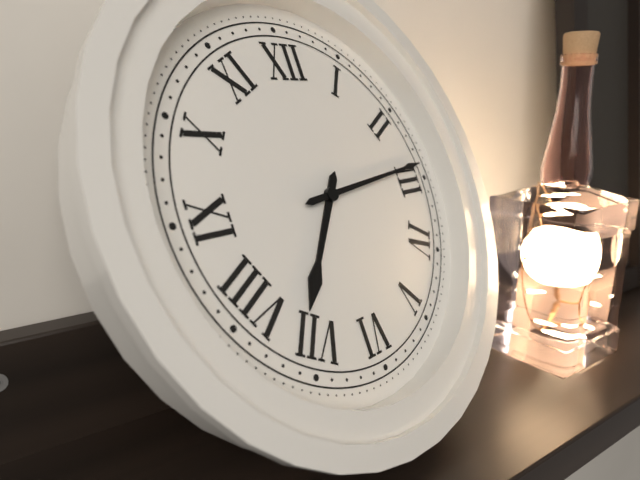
7:14
